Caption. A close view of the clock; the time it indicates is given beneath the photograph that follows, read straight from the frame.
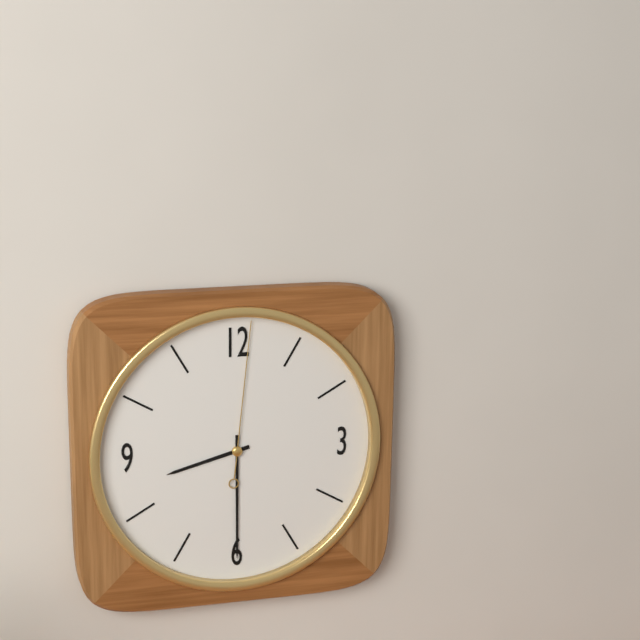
8:30:01
